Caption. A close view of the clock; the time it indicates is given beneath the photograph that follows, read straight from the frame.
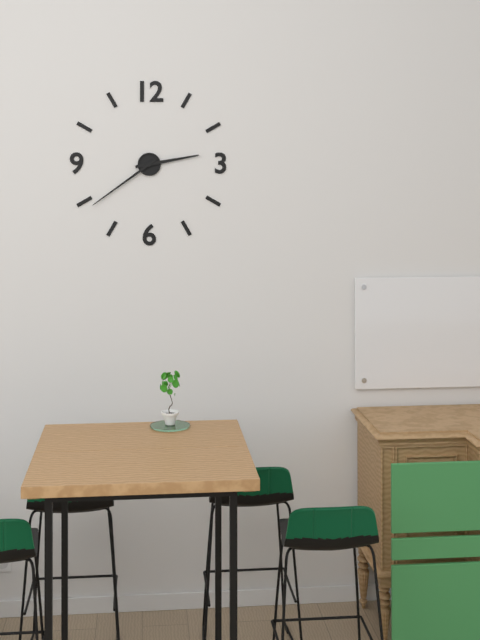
2:39
